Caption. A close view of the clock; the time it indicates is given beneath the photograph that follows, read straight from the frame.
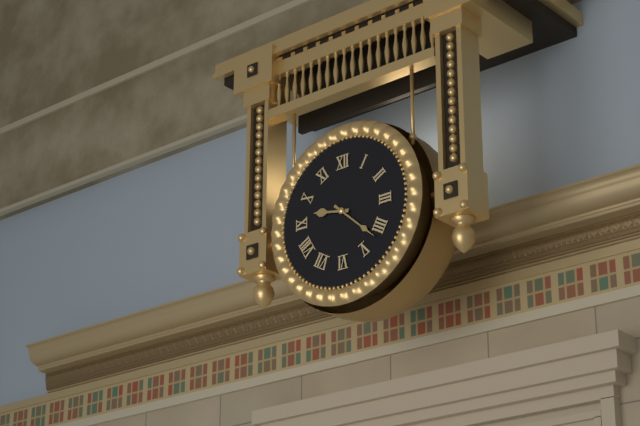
9:22
